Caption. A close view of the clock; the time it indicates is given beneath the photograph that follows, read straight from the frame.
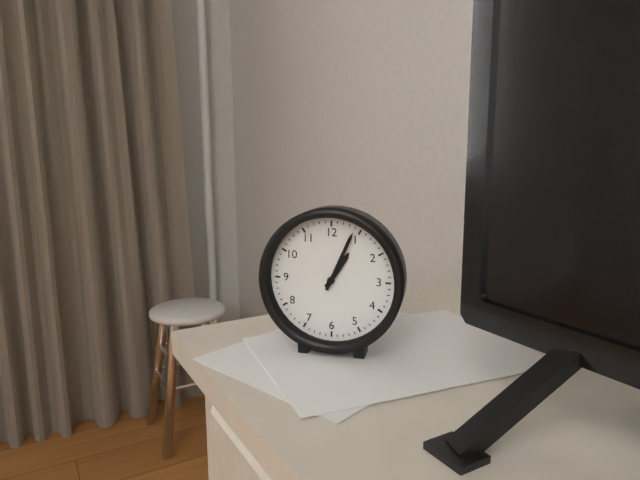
1:04
